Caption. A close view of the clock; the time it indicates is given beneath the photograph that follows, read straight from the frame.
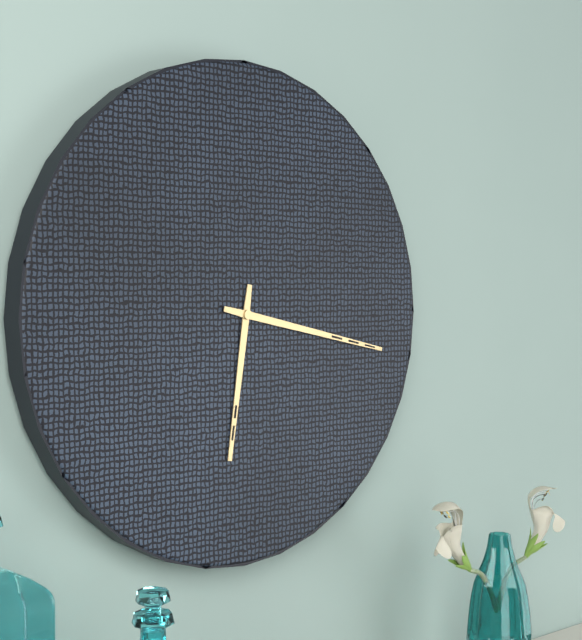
6:17
